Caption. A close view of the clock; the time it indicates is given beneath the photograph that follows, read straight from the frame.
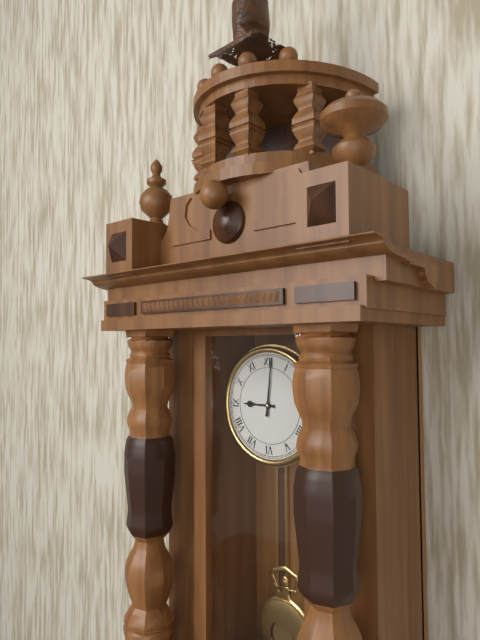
9:01
